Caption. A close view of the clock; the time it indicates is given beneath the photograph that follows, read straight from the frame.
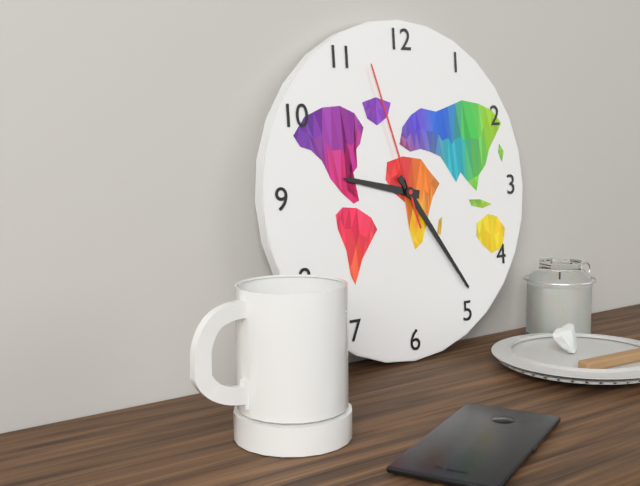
9:24:57
